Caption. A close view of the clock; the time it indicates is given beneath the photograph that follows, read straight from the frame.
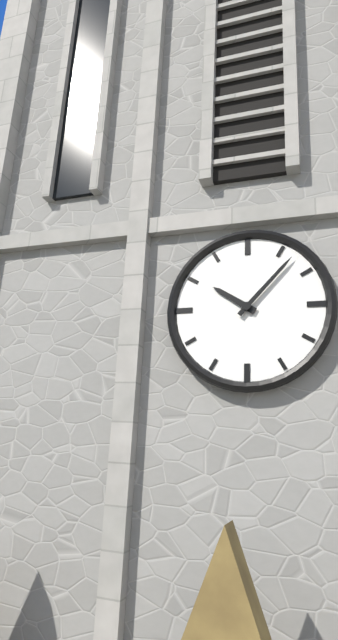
10:07
